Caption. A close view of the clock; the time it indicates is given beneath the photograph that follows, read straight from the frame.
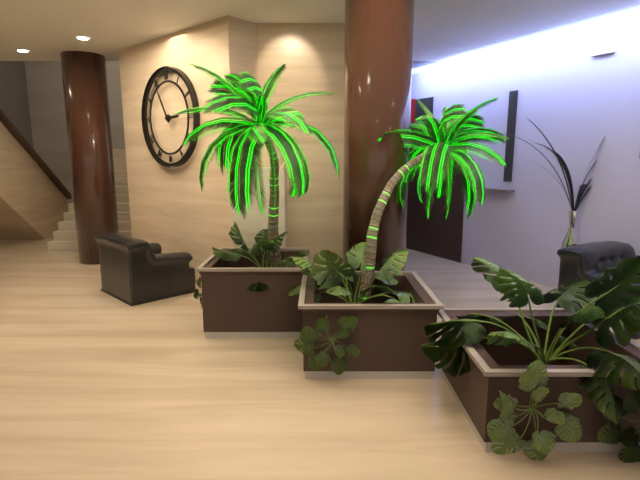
2:55
